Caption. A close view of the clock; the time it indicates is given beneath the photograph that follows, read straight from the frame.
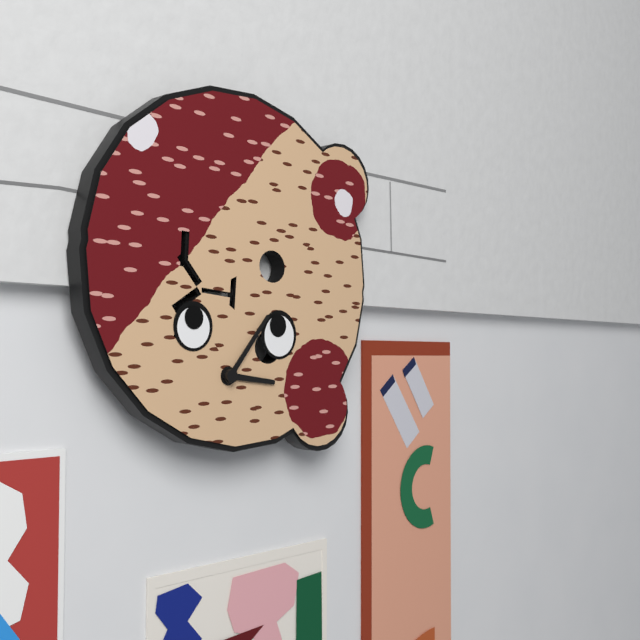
3:06
